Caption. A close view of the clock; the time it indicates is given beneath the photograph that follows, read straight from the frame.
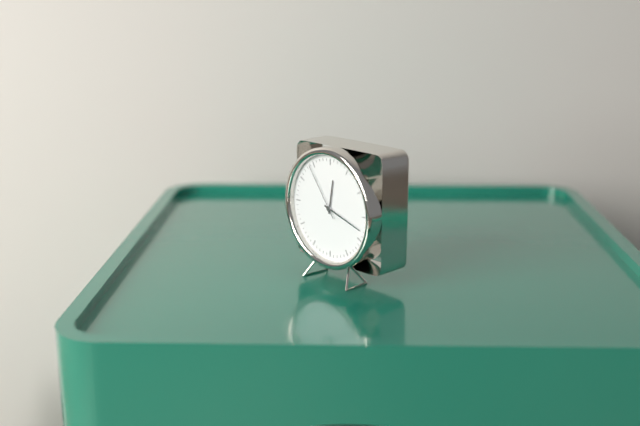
12:18:54
